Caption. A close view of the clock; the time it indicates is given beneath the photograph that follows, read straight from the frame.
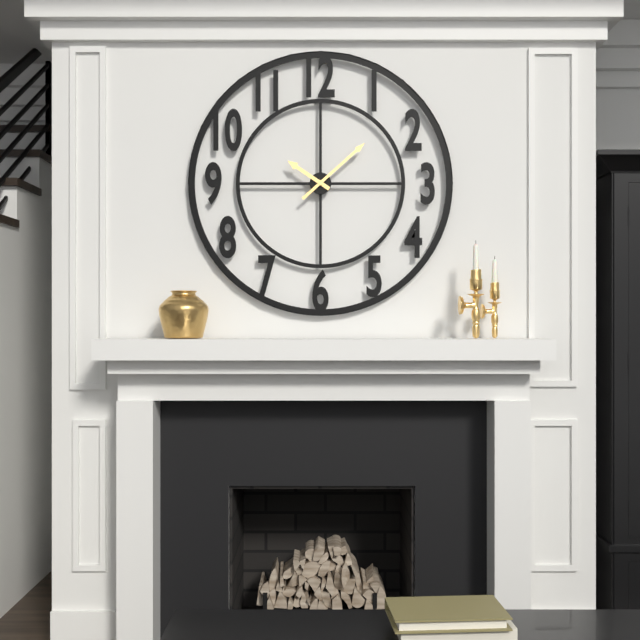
10:08
